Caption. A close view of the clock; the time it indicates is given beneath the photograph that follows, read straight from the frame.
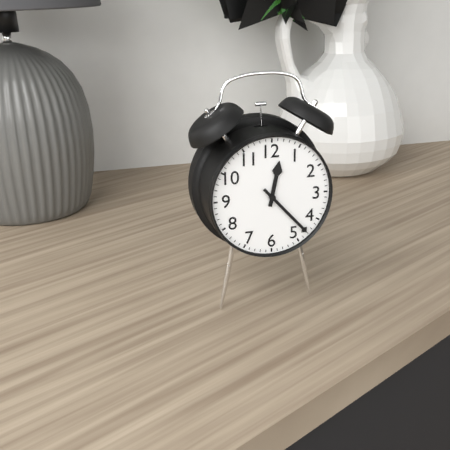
12:23
